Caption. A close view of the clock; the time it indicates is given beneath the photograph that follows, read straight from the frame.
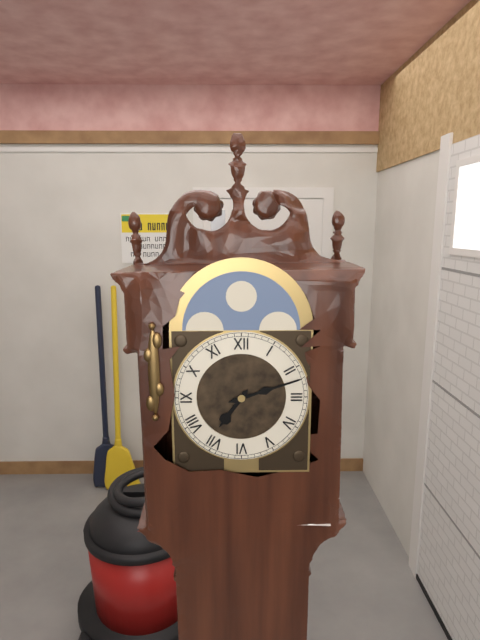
7:12
